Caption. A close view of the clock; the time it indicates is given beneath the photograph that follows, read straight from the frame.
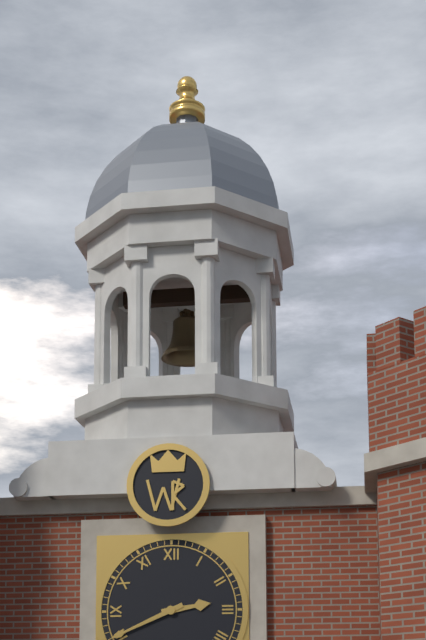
2:41
